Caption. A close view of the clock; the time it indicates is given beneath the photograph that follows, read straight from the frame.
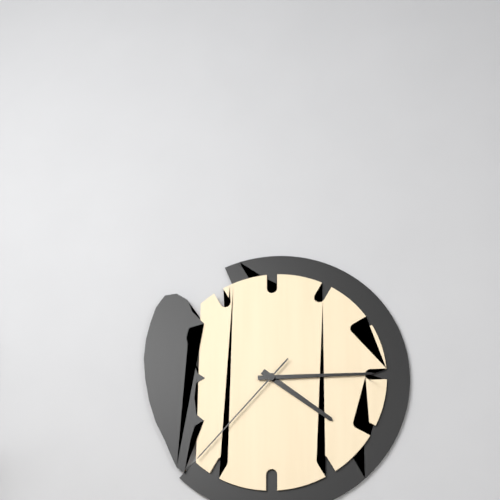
4:15:37
